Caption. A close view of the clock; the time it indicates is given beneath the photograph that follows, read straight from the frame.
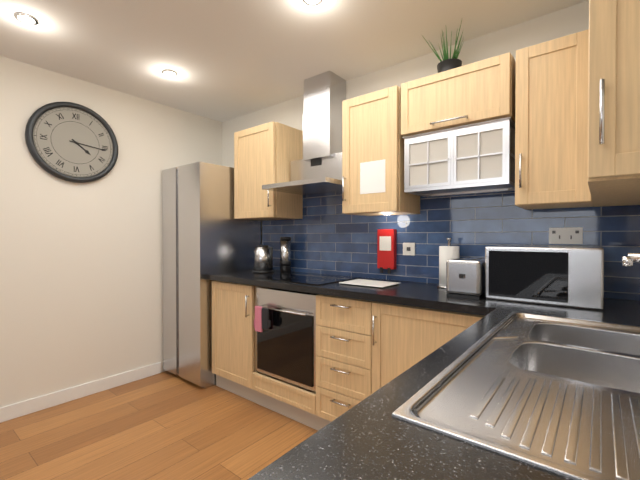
4:16
